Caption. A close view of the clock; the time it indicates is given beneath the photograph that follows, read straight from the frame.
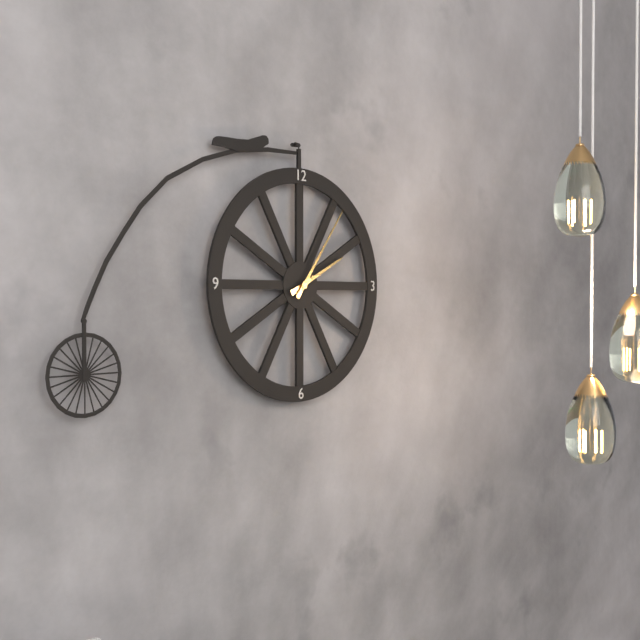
2:06
